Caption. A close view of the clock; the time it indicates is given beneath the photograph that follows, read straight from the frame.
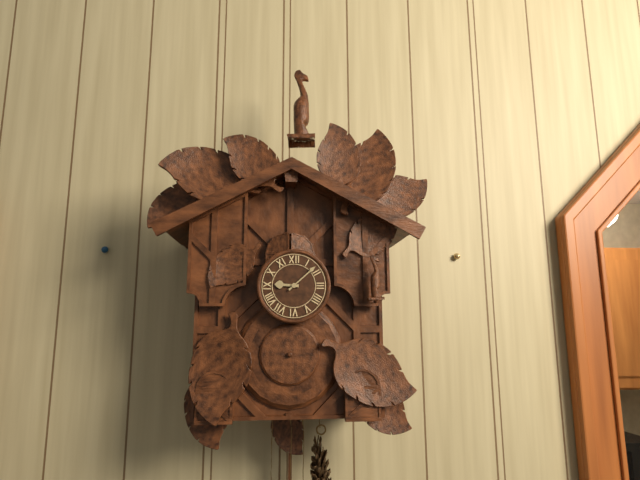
9:08
